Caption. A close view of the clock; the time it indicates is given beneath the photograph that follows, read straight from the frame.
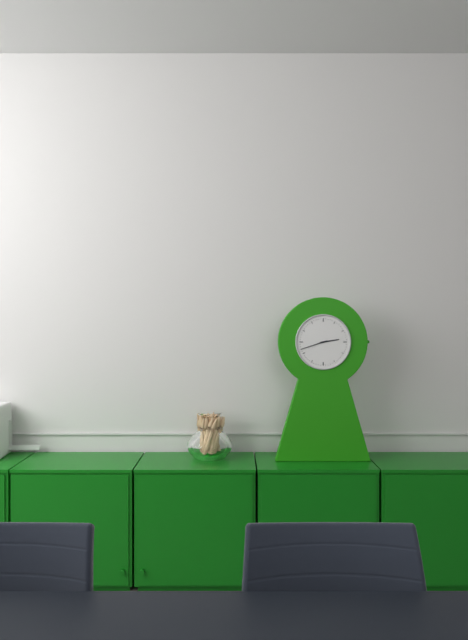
2:42
